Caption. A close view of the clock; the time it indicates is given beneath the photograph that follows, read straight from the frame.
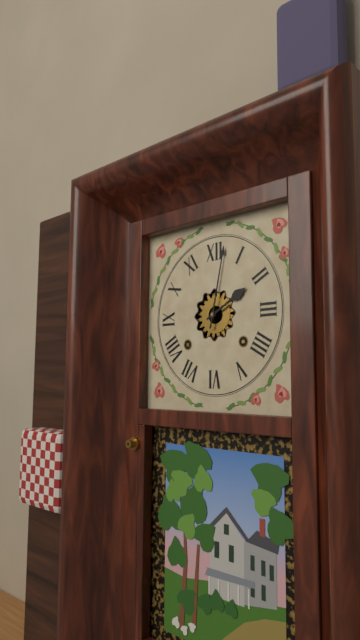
2:02
